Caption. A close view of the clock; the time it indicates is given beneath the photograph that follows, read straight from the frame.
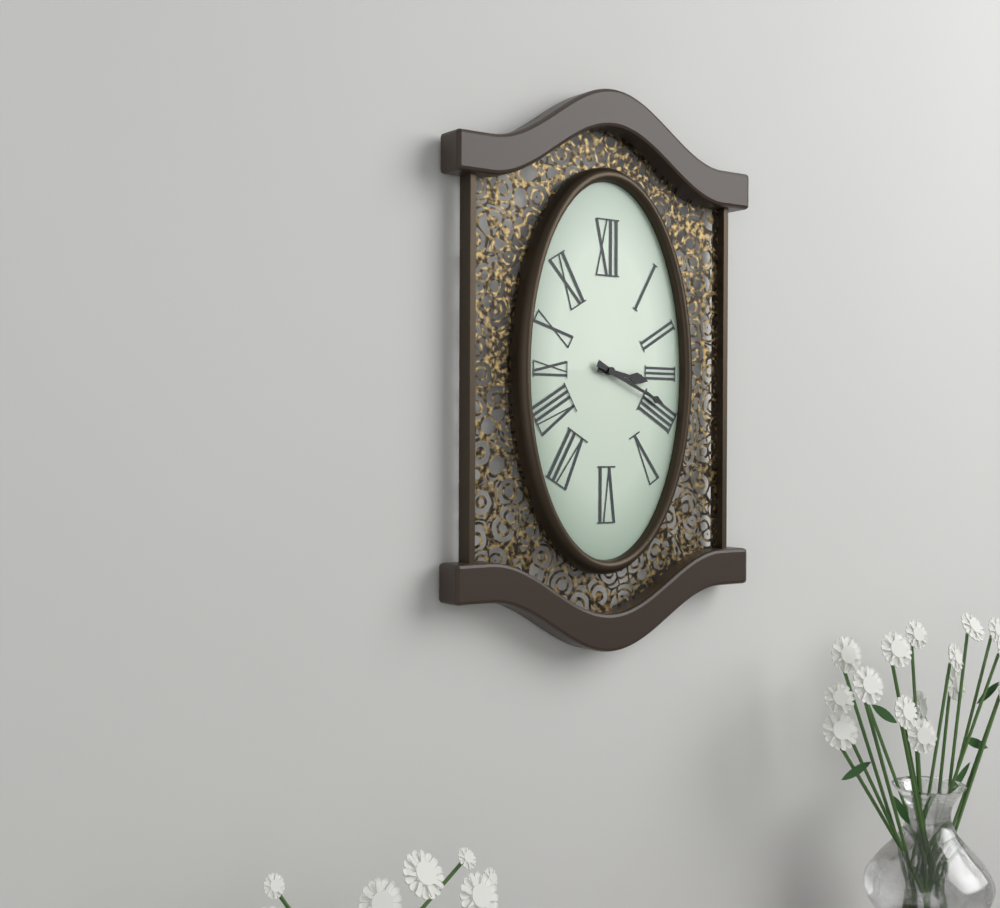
3:19
